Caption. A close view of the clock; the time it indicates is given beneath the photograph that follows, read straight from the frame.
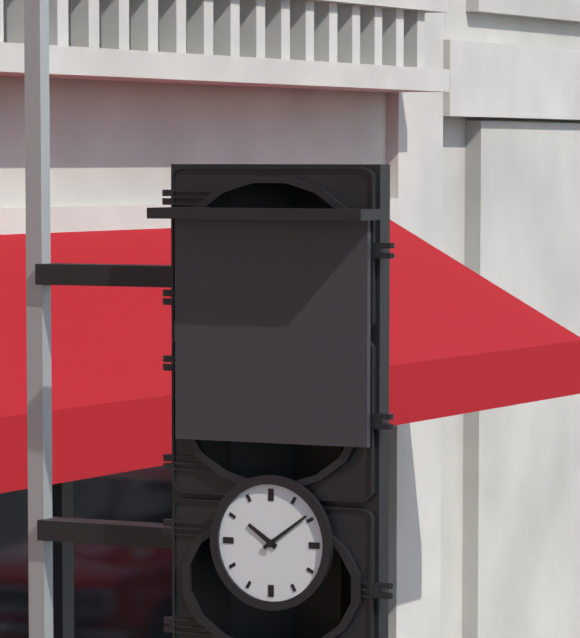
10:09
